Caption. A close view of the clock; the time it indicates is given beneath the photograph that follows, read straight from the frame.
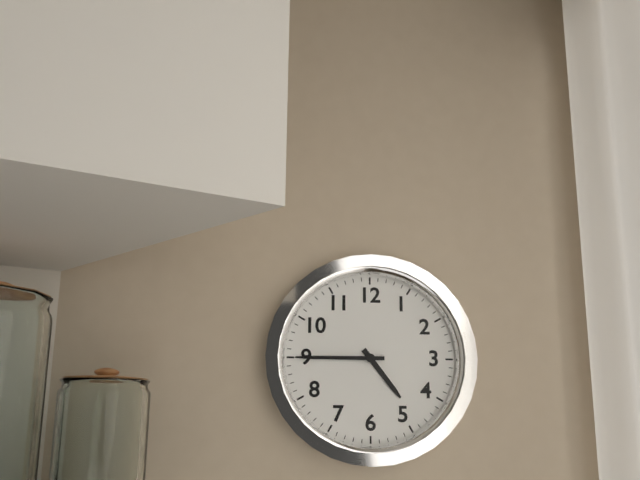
4:45
